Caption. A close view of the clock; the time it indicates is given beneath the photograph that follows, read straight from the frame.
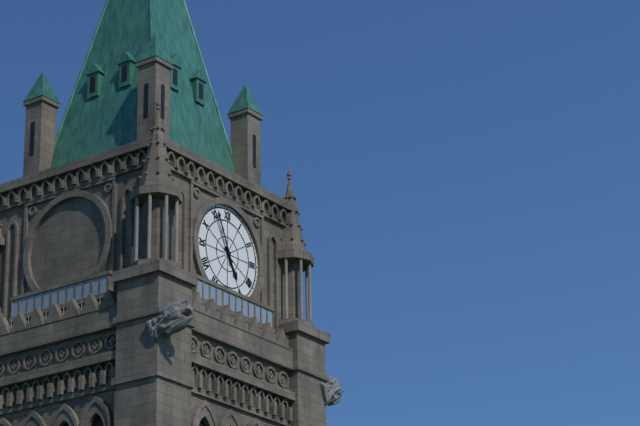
4:56
